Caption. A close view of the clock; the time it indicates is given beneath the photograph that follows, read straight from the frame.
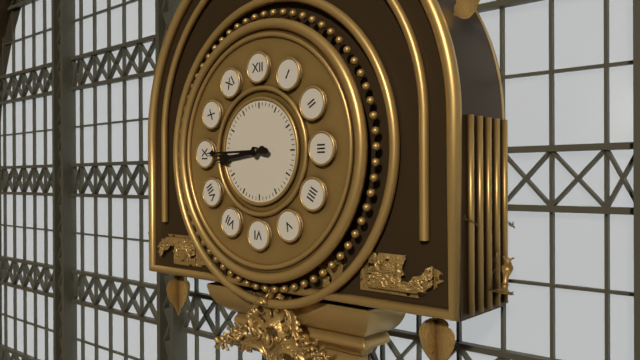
8:45
